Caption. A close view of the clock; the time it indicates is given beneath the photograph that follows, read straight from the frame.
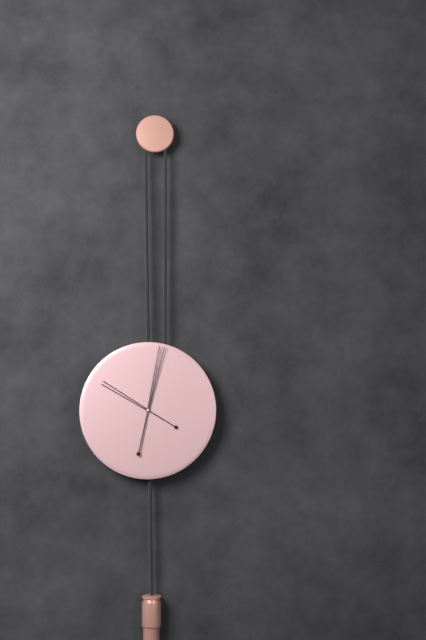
10:02
